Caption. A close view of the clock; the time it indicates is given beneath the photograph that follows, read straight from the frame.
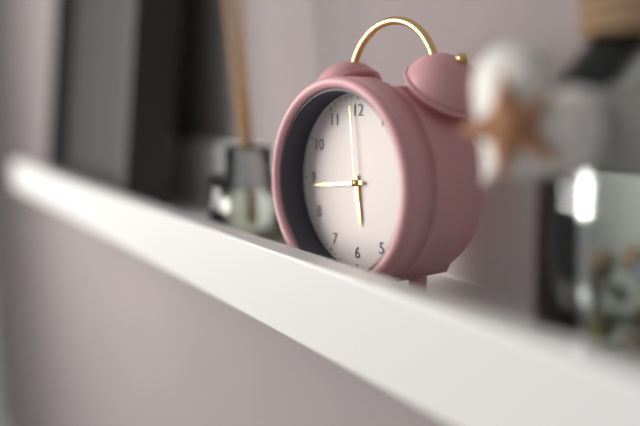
5:44:59
